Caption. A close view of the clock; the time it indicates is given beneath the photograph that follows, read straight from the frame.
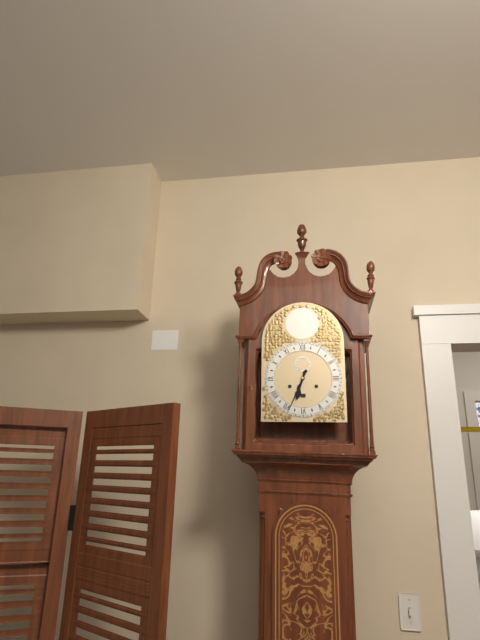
6:34
